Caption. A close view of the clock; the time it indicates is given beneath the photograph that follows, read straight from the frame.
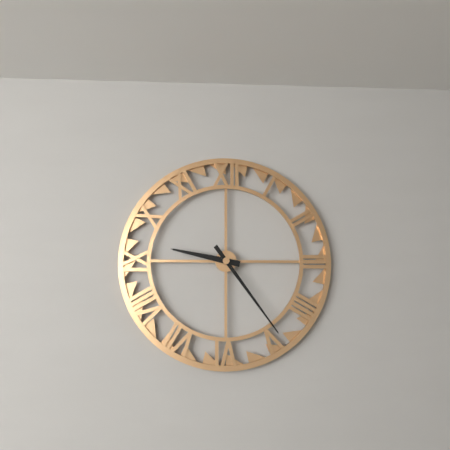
9:24
